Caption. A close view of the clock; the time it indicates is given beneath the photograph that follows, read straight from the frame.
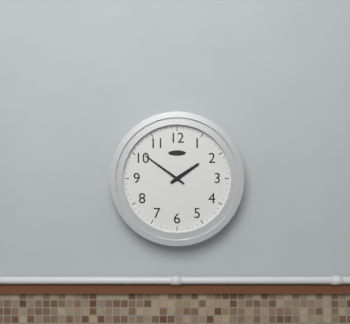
1:51
